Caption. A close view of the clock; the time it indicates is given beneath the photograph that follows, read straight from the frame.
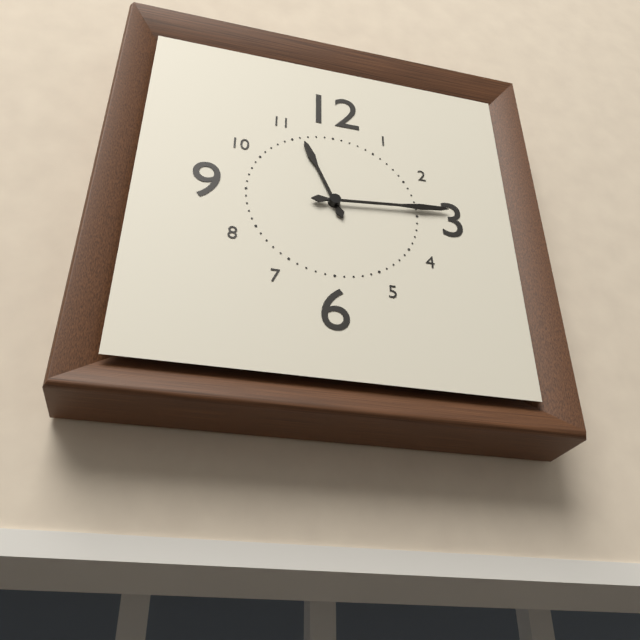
11:14
